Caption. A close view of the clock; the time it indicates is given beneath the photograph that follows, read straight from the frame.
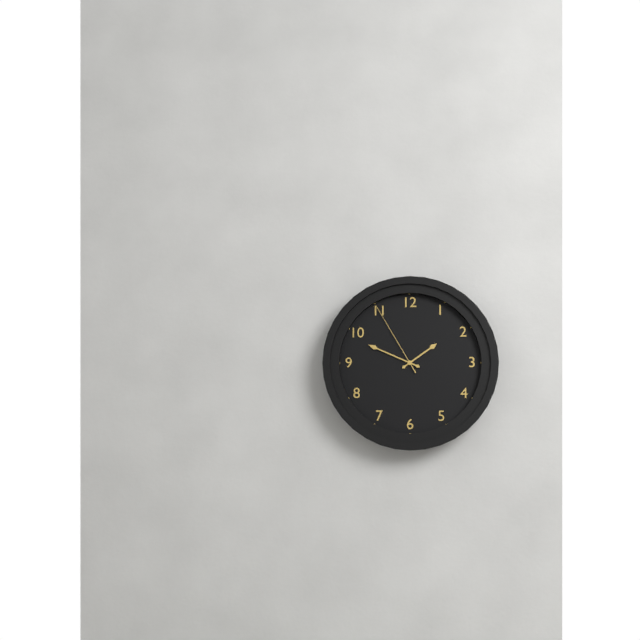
1:49:55
